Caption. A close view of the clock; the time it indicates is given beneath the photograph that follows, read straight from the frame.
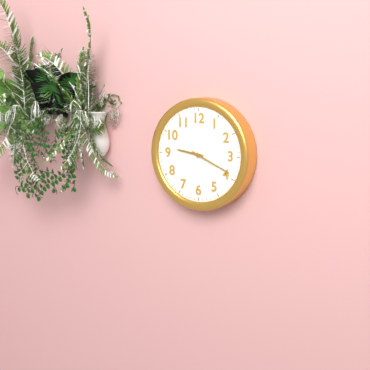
9:19
